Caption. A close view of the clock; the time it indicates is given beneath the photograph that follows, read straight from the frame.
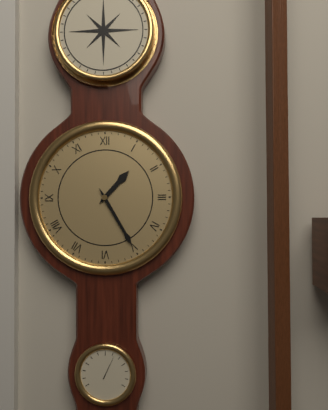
1:25
